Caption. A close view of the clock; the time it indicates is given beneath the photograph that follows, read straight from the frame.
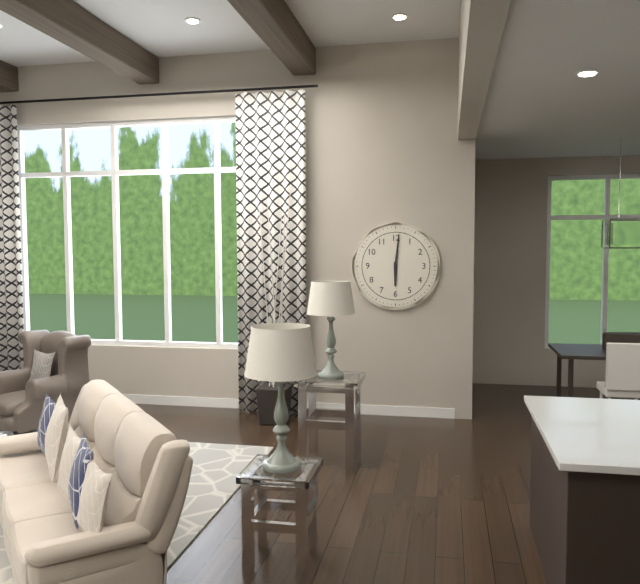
6:01
